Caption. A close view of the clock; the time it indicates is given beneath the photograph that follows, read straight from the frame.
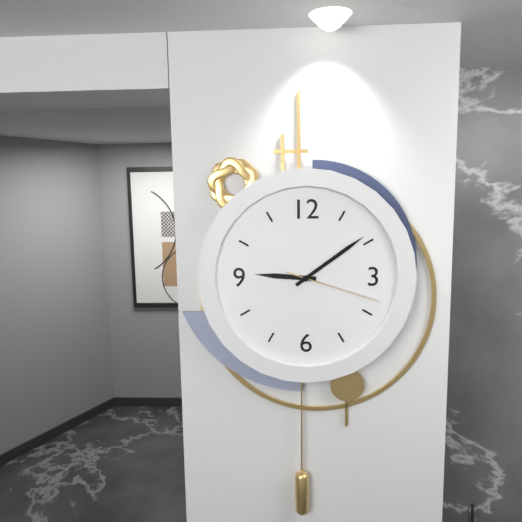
9:09:18
